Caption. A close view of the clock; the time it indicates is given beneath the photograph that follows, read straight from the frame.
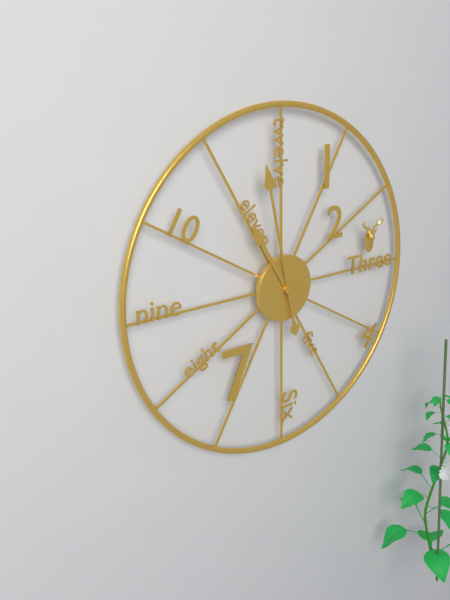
10:58
